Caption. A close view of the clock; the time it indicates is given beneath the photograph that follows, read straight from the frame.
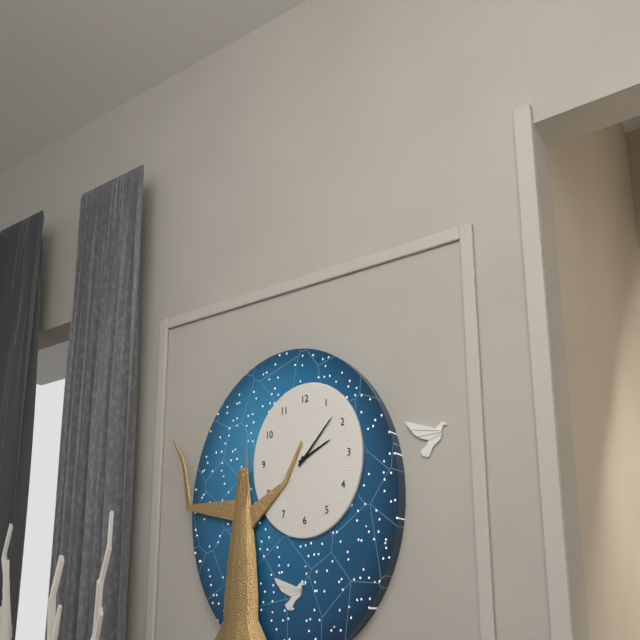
2:07
